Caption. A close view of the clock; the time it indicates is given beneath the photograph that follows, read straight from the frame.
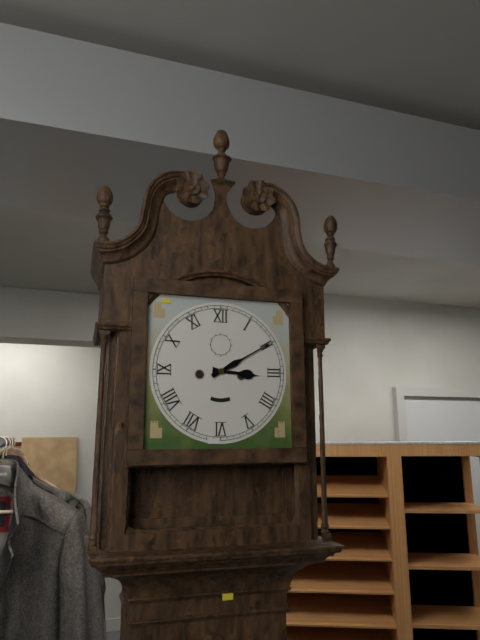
3:10
